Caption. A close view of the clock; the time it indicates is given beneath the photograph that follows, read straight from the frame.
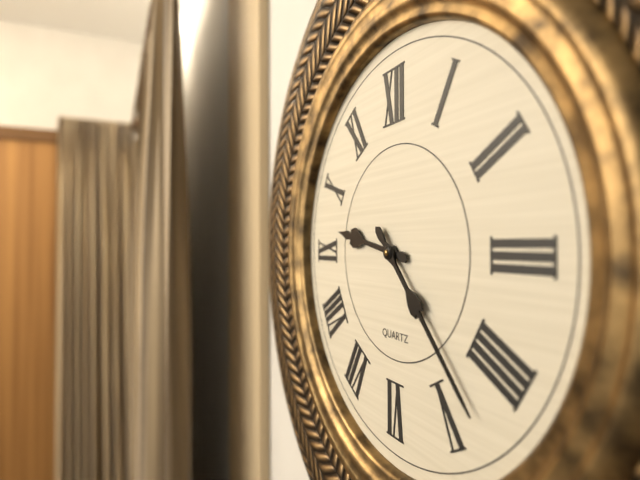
9:23
